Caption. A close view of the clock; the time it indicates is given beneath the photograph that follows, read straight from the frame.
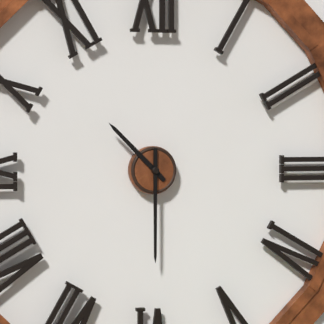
10:30
